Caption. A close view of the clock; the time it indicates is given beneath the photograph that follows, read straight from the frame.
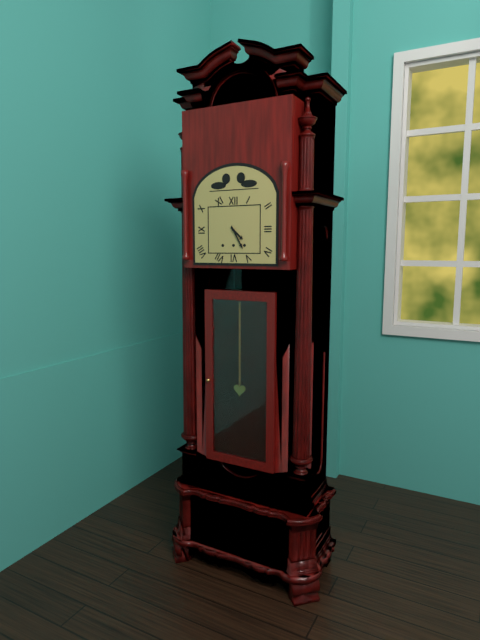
4:25
